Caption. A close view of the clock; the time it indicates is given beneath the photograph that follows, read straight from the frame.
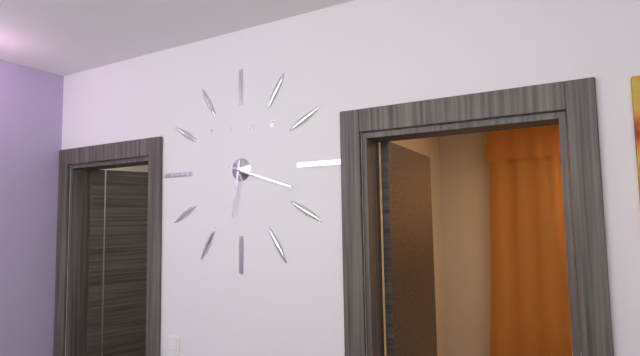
6:18
